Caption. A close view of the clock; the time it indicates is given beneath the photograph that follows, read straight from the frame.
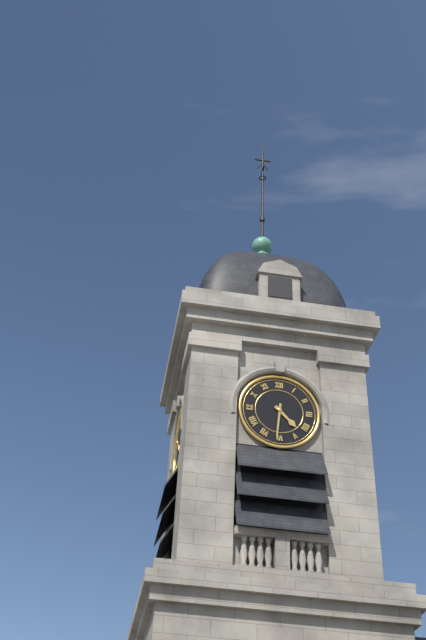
4:31
